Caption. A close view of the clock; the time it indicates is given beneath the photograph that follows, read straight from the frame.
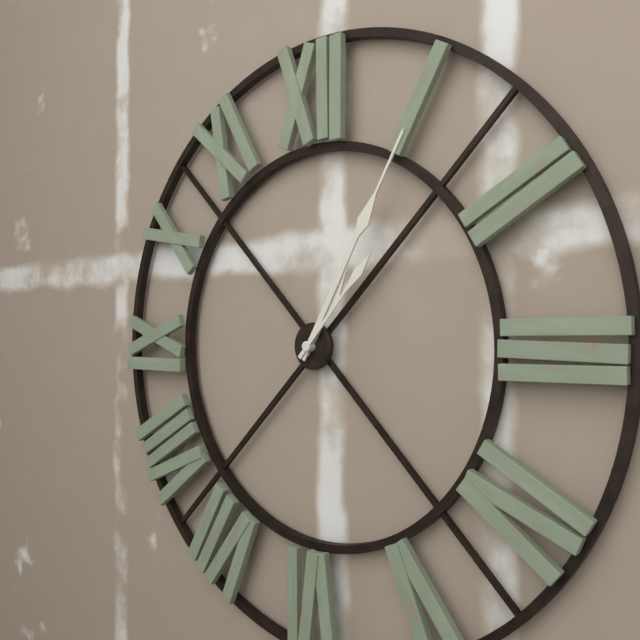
1:05:07
